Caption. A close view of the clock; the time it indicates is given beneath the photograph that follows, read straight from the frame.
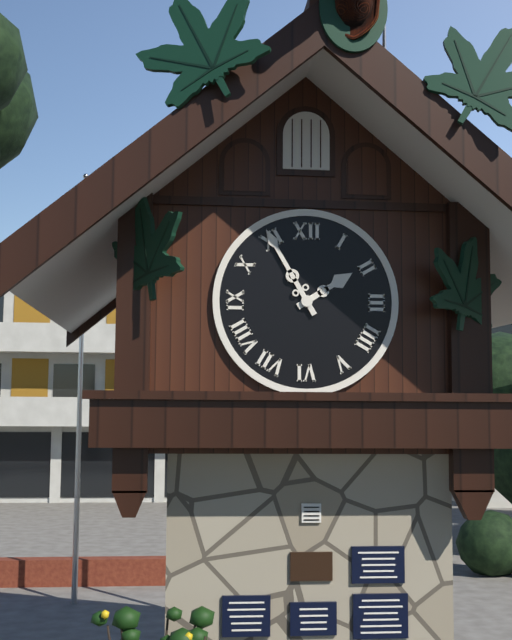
1:55
